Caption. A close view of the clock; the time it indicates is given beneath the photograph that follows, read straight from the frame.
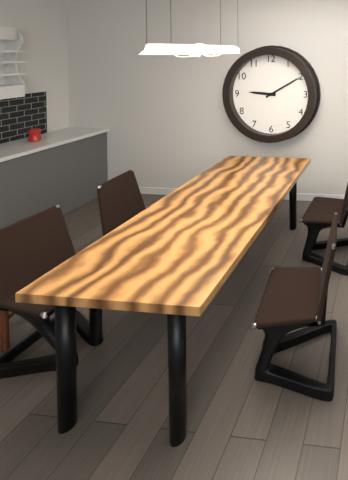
9:10
